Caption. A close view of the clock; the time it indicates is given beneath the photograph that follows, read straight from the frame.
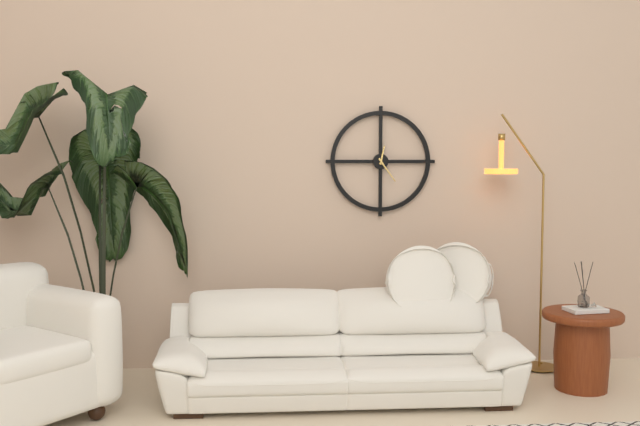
12:24
